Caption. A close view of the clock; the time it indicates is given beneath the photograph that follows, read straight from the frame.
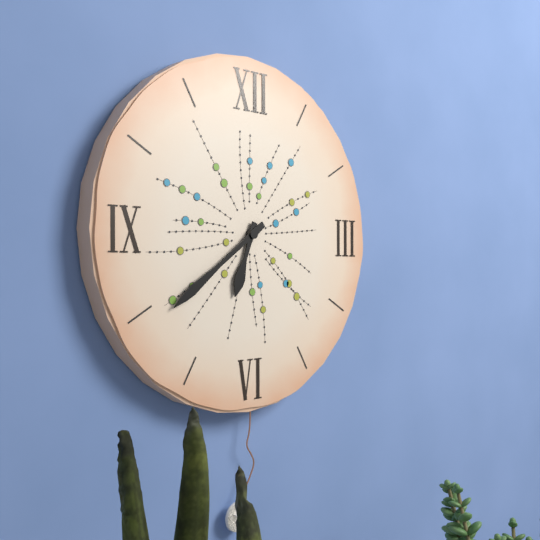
6:39
